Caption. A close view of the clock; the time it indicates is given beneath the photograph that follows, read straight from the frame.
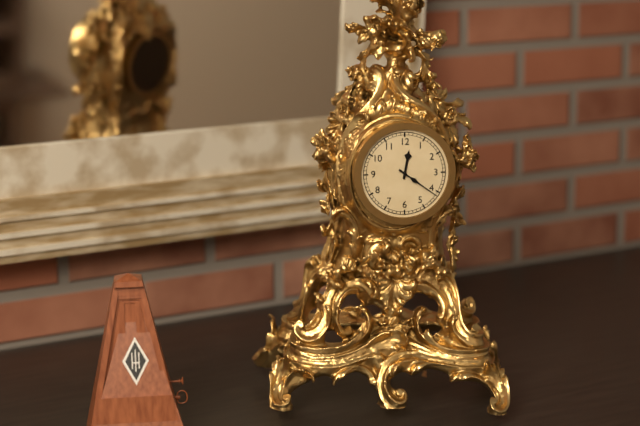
12:21
